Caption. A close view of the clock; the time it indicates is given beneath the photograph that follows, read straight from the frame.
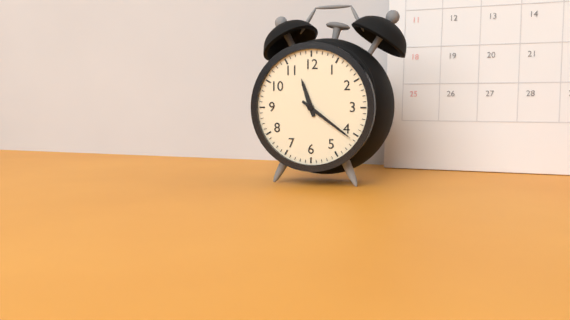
11:21
